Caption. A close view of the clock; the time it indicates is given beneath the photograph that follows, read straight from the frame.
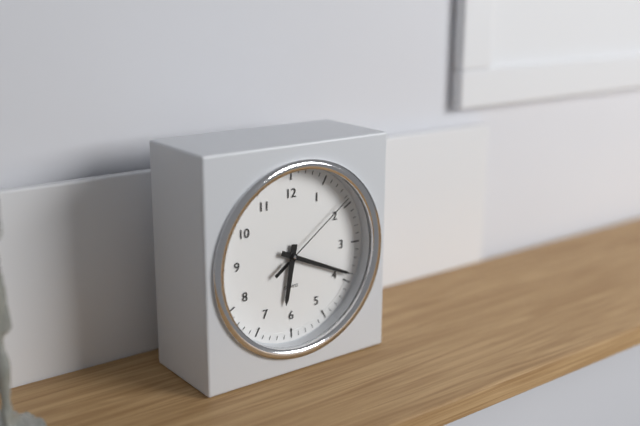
6:19:09
